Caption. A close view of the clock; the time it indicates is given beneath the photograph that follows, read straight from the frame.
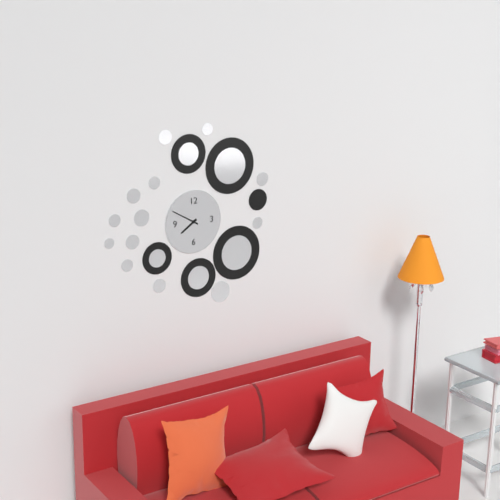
7:50
